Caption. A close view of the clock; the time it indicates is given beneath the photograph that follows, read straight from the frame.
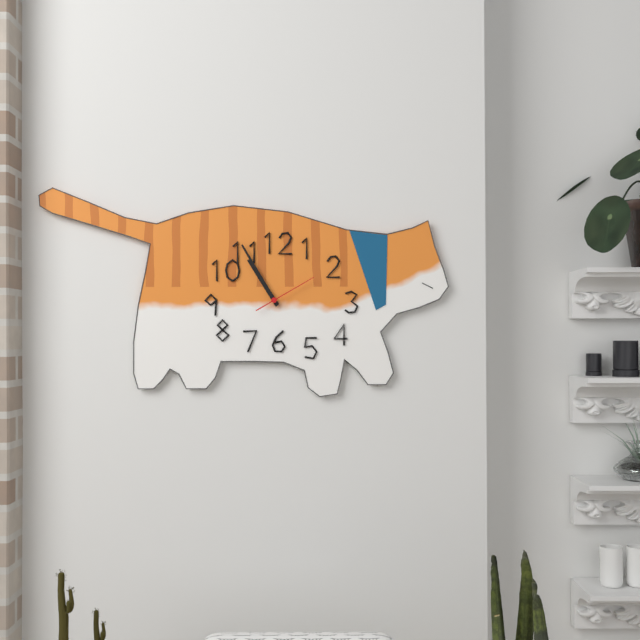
10:55:10
